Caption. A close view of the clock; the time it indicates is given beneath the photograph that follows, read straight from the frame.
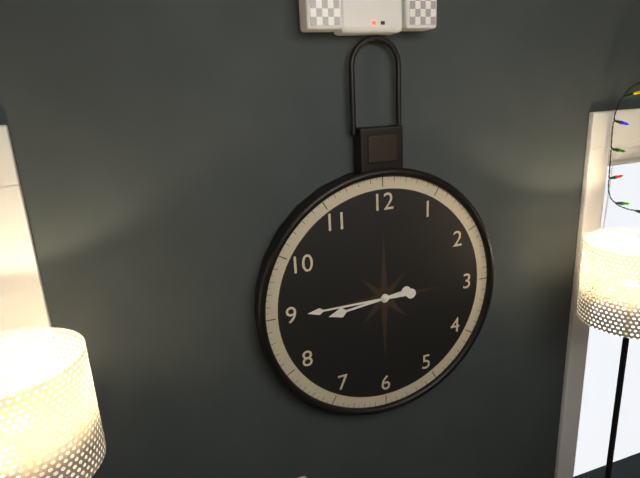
8:45
